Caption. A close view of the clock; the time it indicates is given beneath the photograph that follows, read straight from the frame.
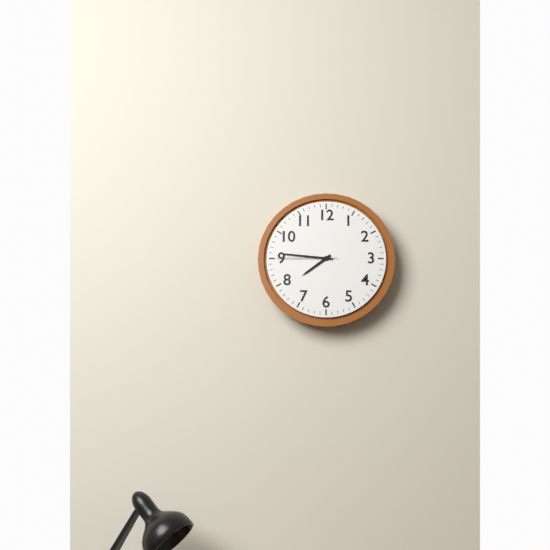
7:46:45
